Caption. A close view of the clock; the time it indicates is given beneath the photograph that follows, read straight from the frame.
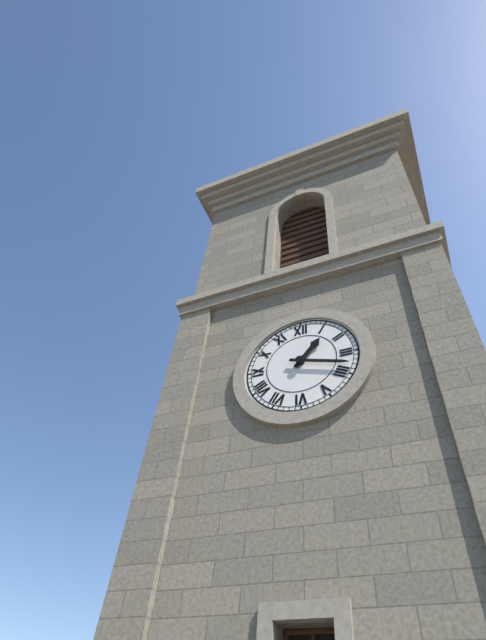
1:18
